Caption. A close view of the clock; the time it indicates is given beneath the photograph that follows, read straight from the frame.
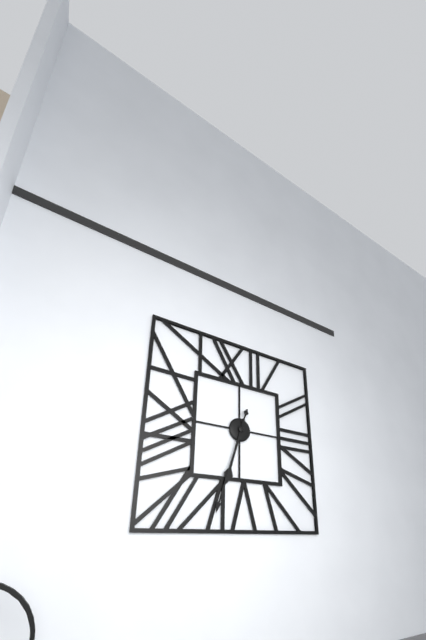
6:33
